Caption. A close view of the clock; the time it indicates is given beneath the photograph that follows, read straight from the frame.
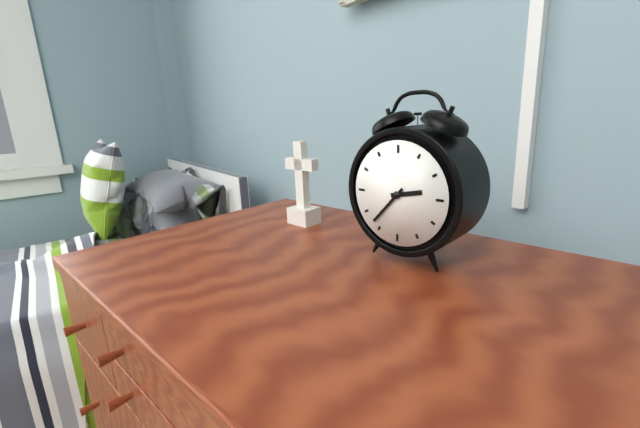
2:37
